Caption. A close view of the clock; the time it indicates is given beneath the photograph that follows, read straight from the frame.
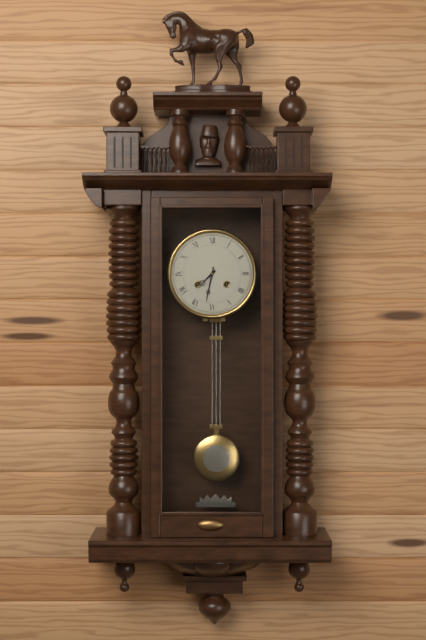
7:32
